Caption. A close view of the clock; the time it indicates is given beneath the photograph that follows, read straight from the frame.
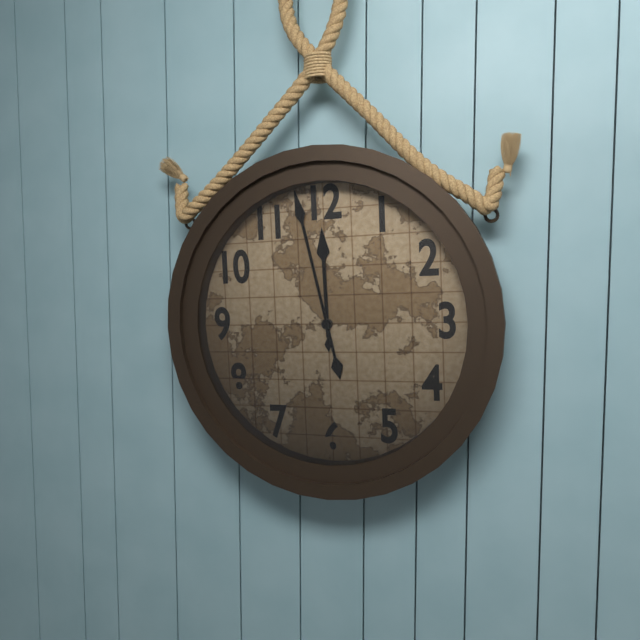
11:58
